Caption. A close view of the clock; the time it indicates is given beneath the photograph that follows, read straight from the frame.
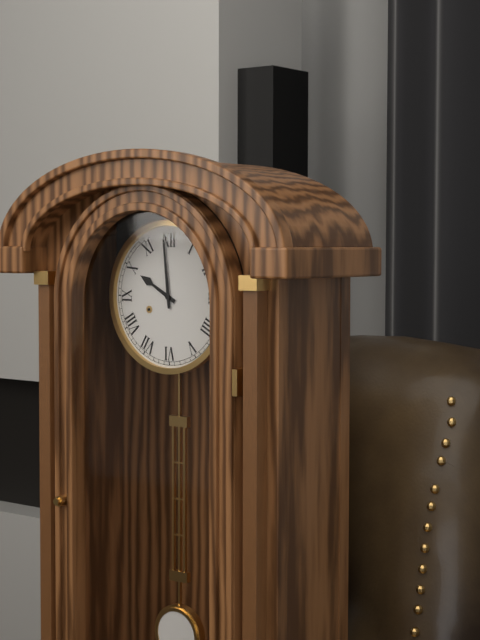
9:59
